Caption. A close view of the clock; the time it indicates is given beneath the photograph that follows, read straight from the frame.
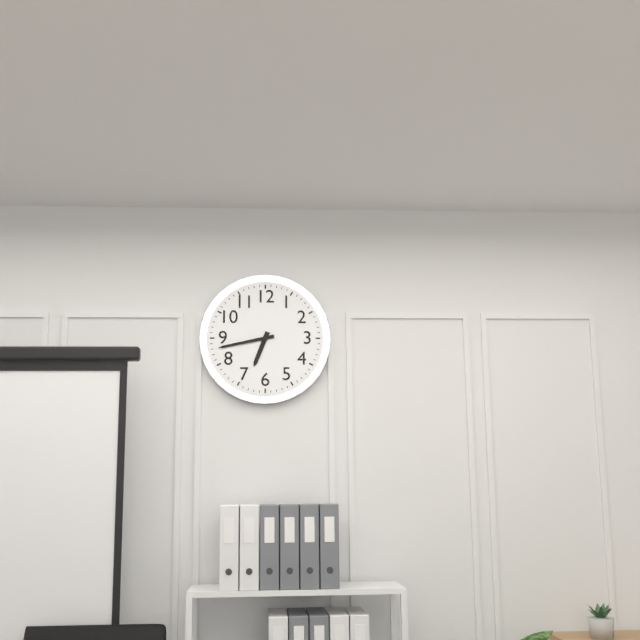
6:43
